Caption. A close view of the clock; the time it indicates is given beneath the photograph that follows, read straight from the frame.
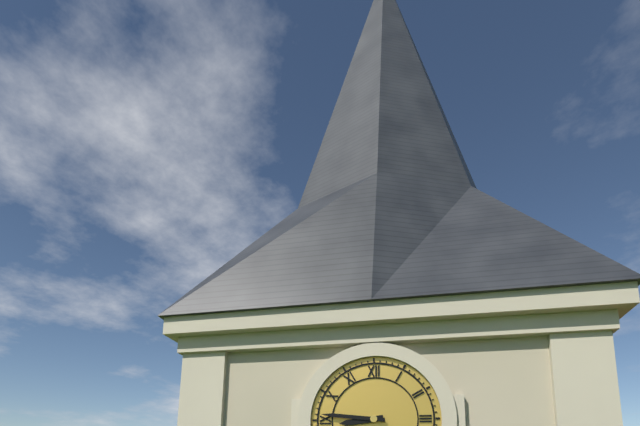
8:46
